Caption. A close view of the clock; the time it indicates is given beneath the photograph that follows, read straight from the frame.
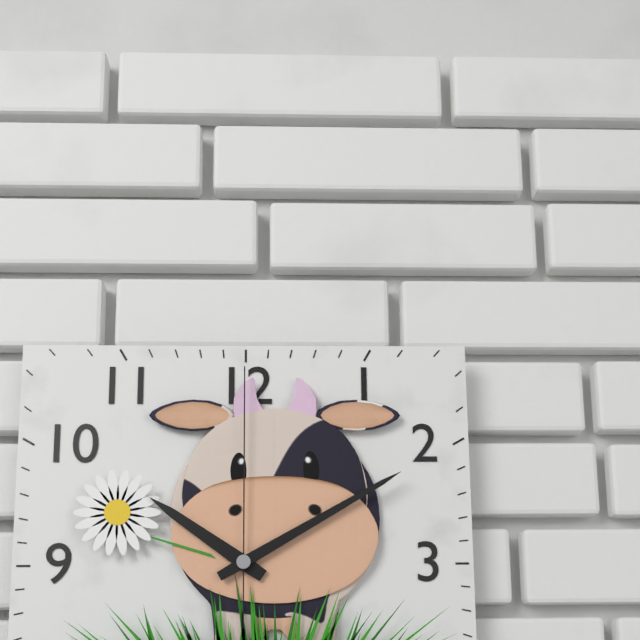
10:10:00
